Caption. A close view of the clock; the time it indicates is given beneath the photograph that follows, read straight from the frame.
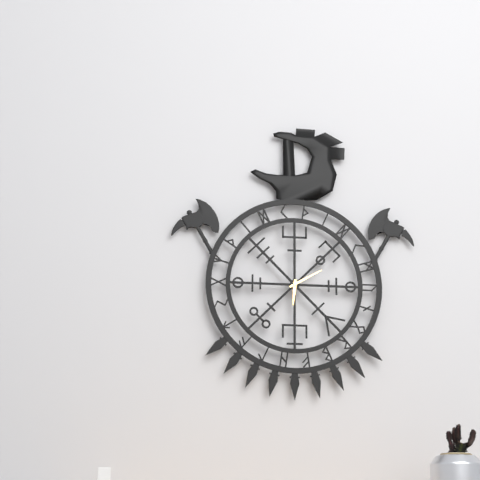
6:10
